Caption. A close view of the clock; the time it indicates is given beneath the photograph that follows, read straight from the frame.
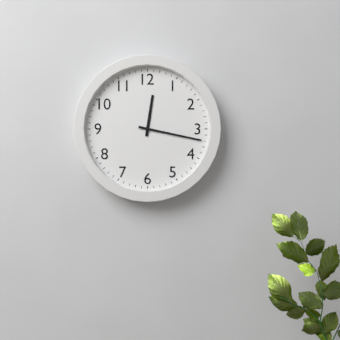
12:17
